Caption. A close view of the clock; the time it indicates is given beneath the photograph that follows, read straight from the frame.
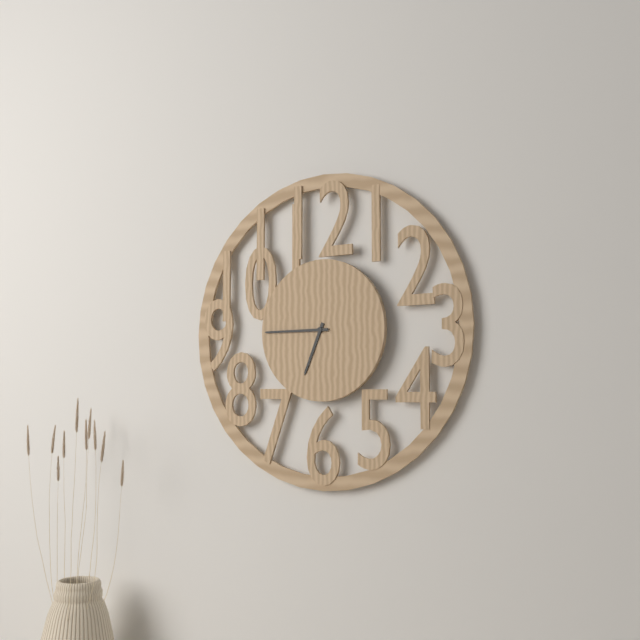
6:45
